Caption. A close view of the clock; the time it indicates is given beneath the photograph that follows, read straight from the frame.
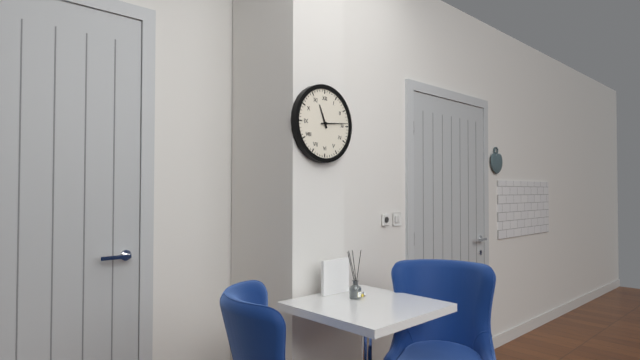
11:14
